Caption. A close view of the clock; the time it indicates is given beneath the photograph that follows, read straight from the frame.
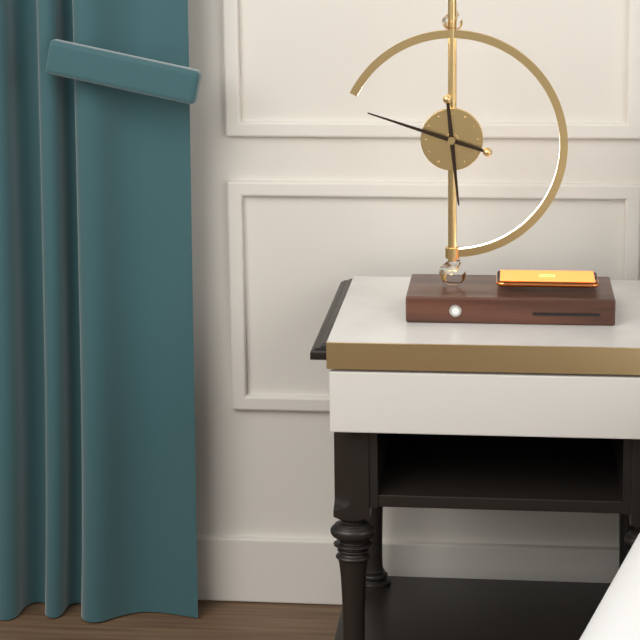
5:48
